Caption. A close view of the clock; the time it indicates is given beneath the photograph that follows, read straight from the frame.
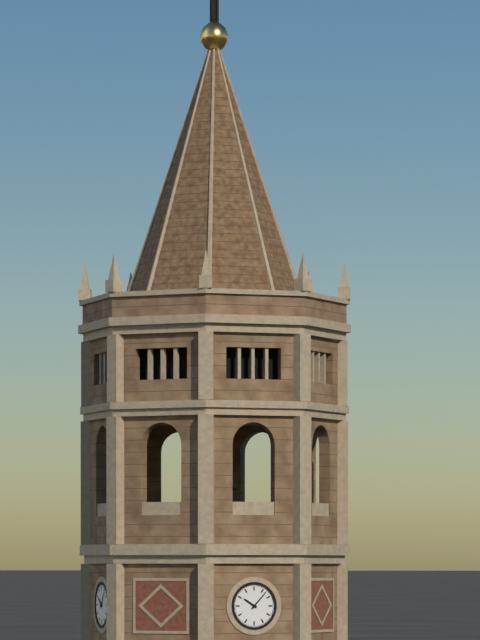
10:07
